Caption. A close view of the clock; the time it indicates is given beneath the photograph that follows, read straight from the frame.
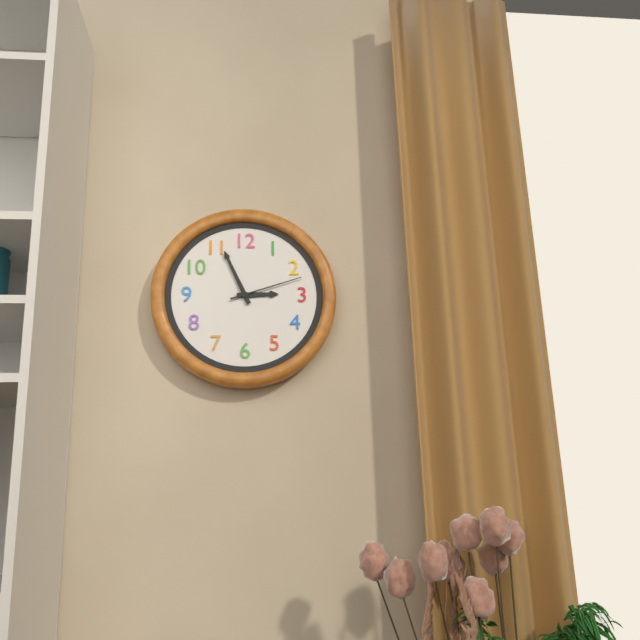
2:56:12
